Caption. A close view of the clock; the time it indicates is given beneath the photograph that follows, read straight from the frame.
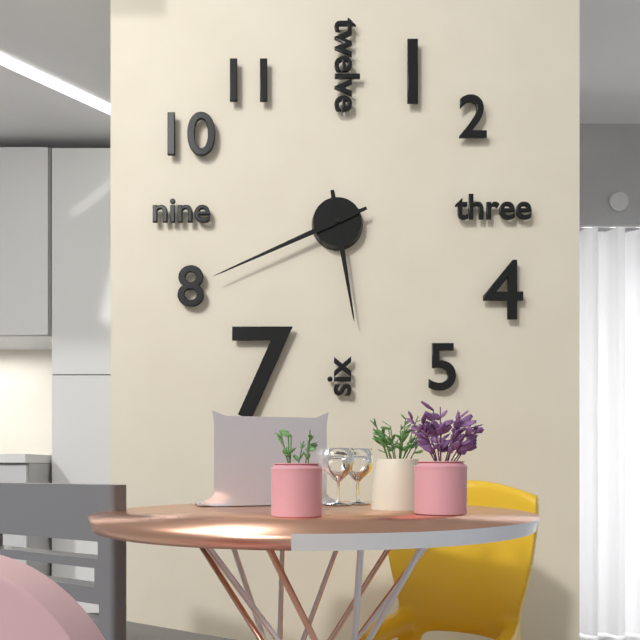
5:41
